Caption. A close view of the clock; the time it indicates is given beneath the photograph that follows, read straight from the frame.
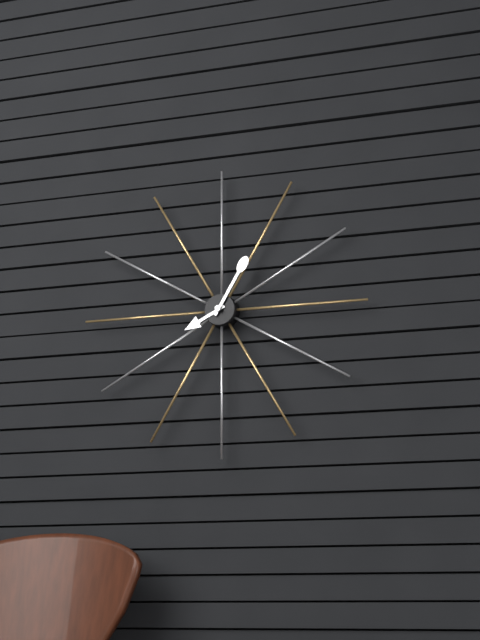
8:05
